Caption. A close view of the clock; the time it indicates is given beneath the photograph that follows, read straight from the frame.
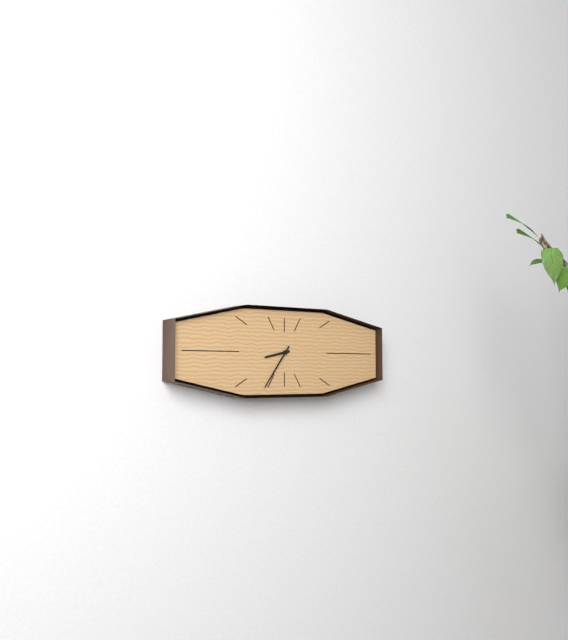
8:36
